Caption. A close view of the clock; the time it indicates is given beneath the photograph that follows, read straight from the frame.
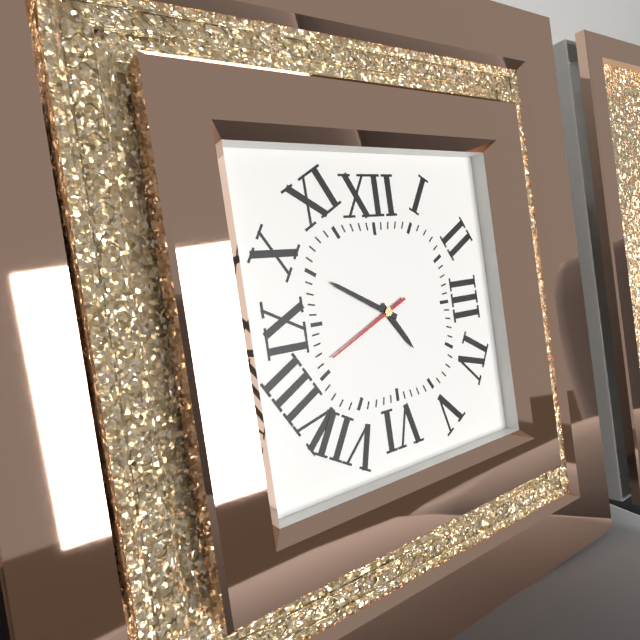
4:50:41
